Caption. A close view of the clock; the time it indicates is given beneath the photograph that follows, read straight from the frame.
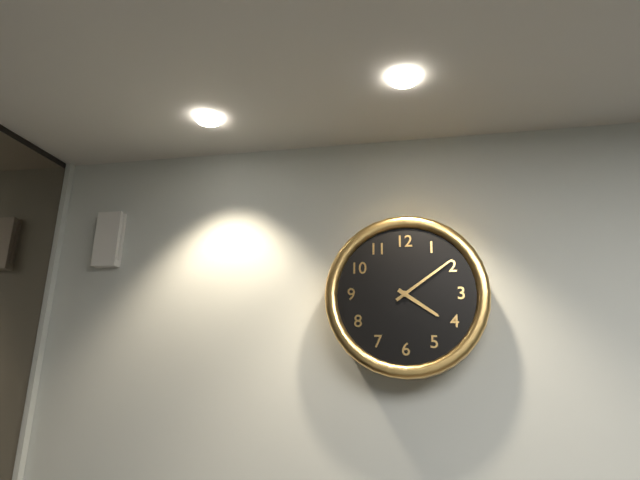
4:09
